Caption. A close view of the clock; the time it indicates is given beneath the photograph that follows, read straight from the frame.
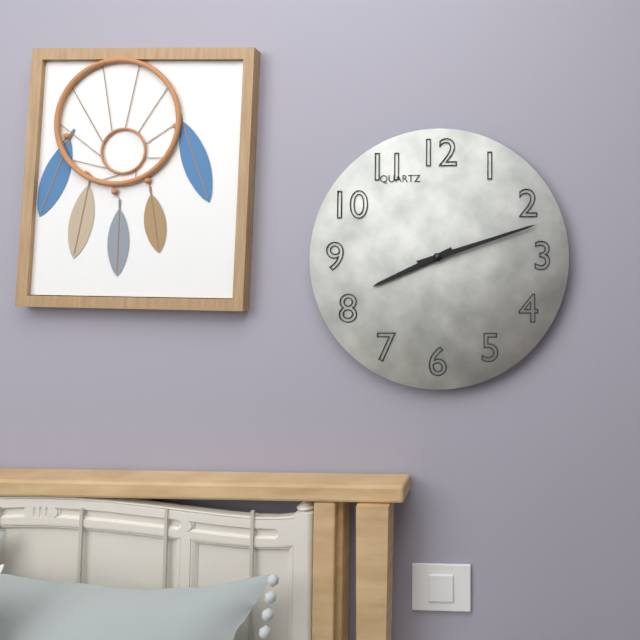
8:12
